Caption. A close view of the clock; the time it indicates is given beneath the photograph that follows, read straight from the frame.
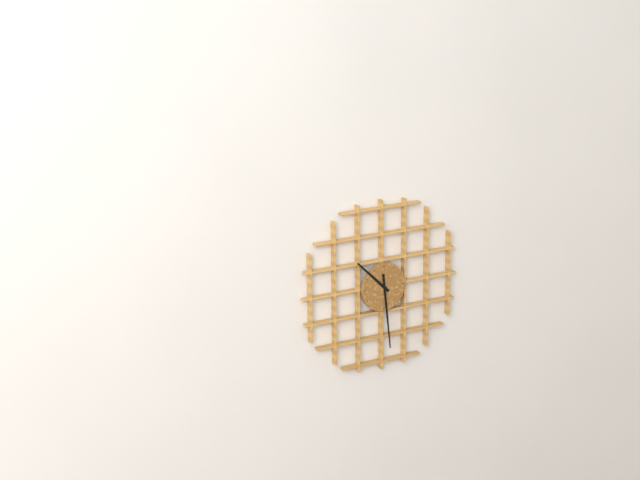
10:29
